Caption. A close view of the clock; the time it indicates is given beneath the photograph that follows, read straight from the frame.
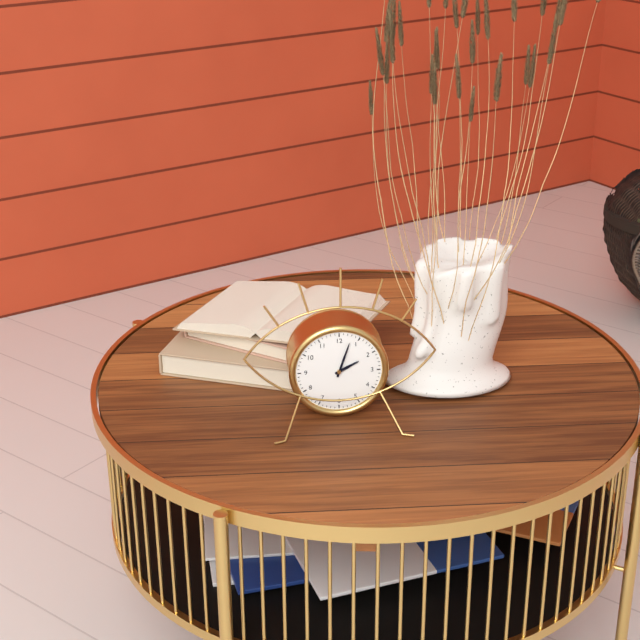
2:03
